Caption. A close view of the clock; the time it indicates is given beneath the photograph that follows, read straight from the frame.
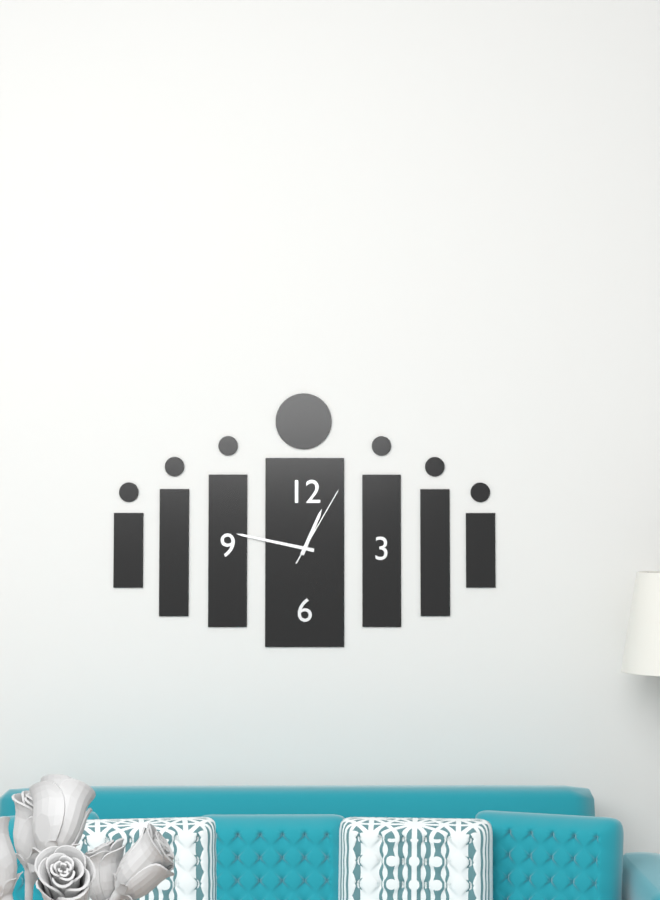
12:47:05
